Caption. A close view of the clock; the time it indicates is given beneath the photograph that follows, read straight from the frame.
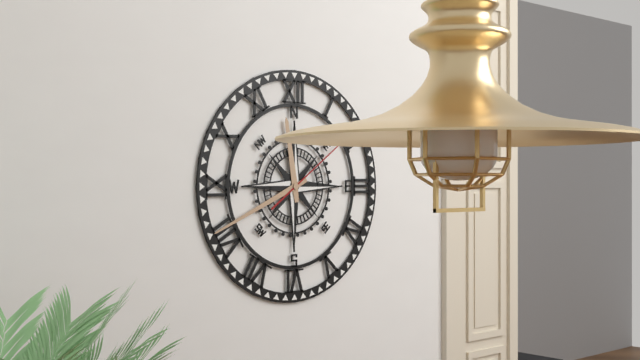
11:41:09
